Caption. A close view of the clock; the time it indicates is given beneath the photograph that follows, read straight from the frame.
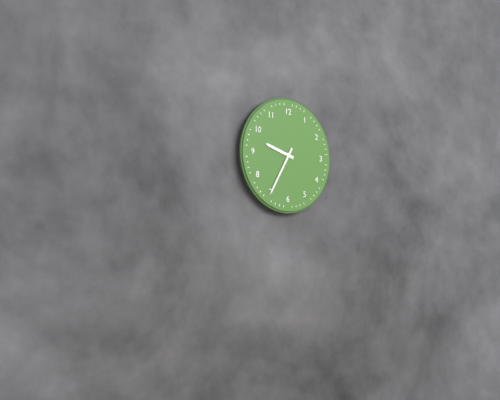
9:35
